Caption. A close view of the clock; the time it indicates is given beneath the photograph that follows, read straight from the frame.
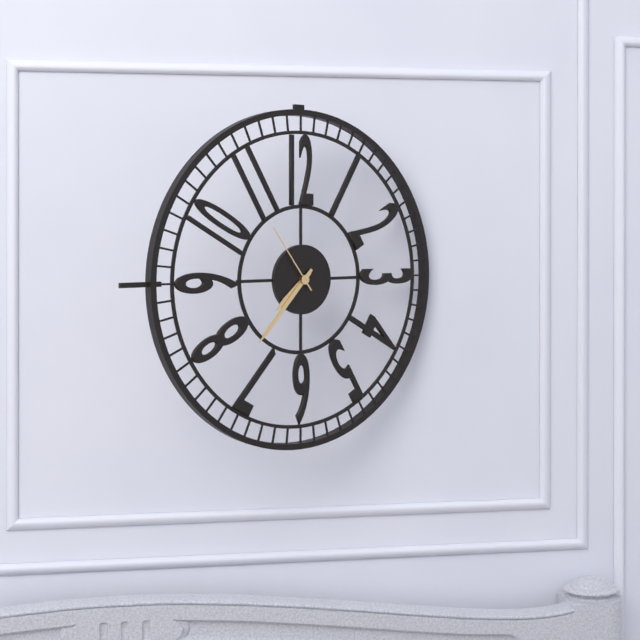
7:37:54
